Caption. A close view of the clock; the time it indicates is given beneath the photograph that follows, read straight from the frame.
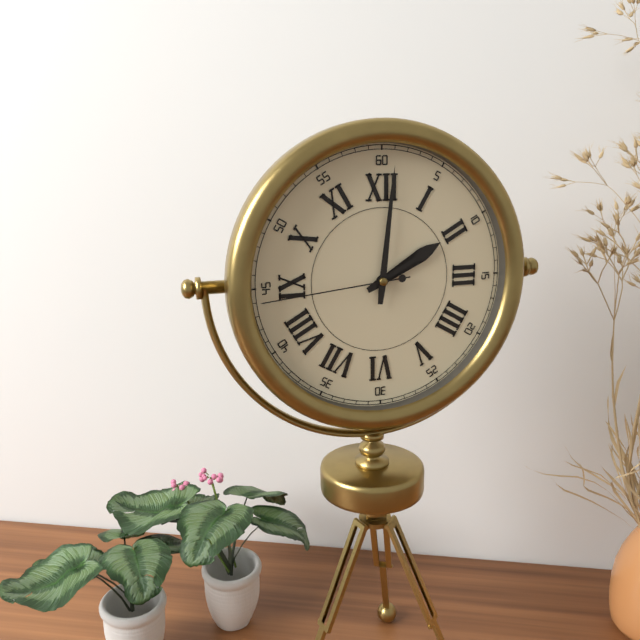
2:01:44
